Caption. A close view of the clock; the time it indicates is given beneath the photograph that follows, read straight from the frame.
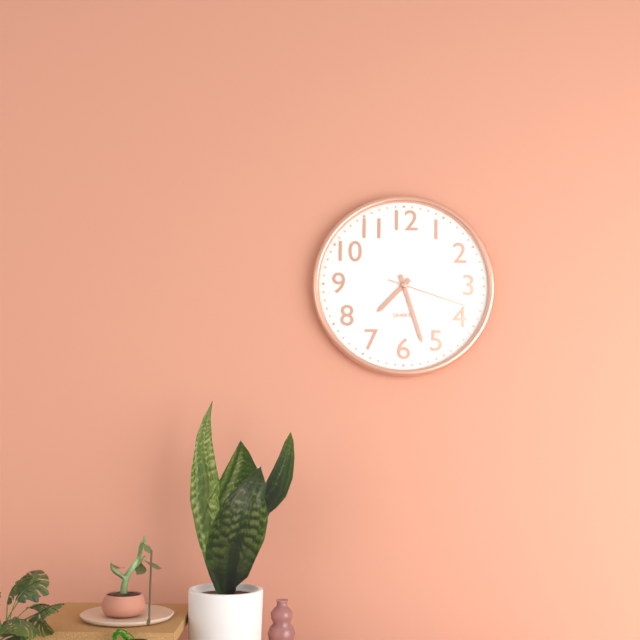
7:27:18
